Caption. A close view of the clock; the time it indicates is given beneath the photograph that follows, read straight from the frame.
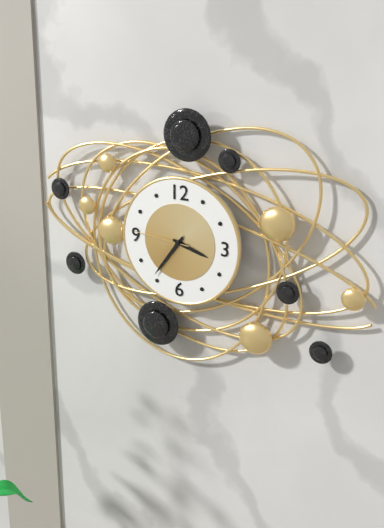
3:36:46
